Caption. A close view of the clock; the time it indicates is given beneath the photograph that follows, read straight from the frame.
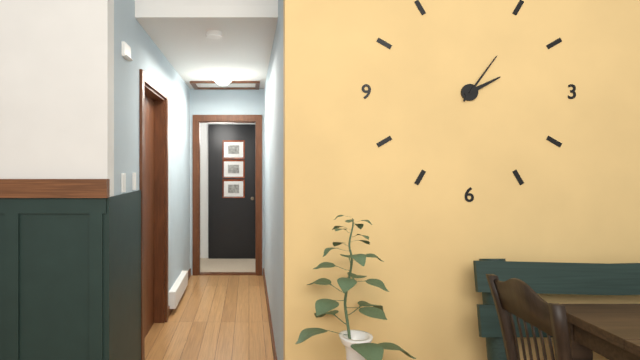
2:06
